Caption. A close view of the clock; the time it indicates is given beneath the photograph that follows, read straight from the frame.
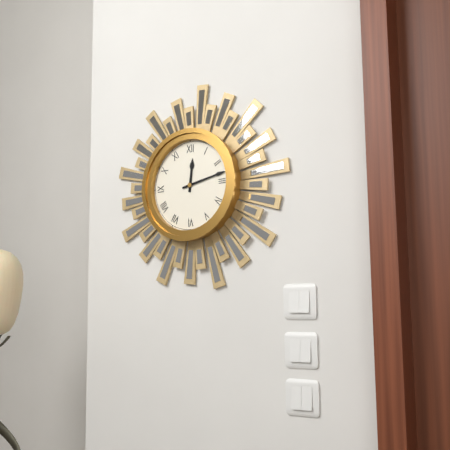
12:13
